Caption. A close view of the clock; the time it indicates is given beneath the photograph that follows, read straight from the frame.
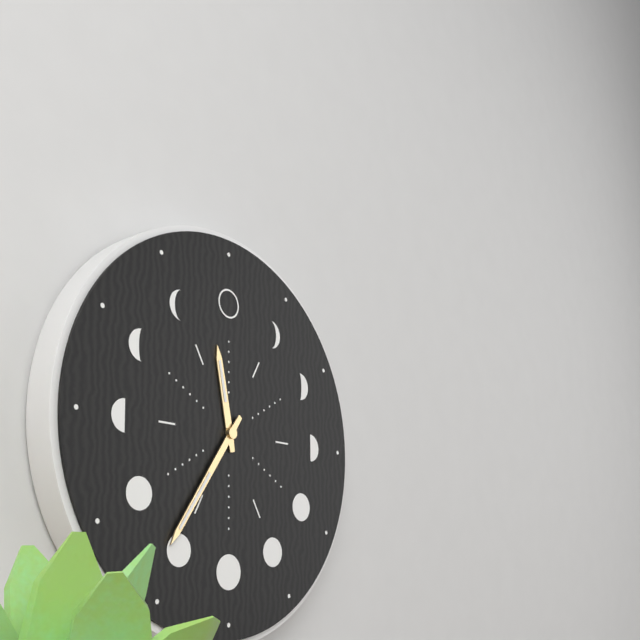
11:36
